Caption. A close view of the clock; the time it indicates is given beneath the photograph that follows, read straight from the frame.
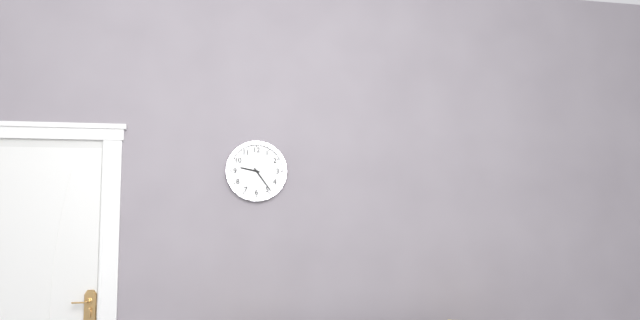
9:24
